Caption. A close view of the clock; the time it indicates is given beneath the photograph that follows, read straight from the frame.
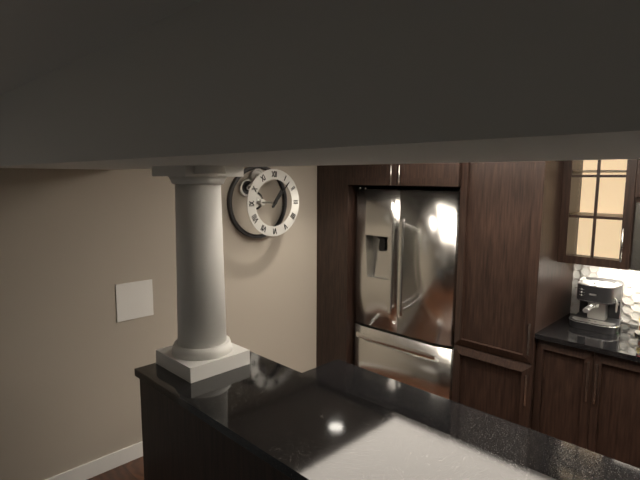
1:07
